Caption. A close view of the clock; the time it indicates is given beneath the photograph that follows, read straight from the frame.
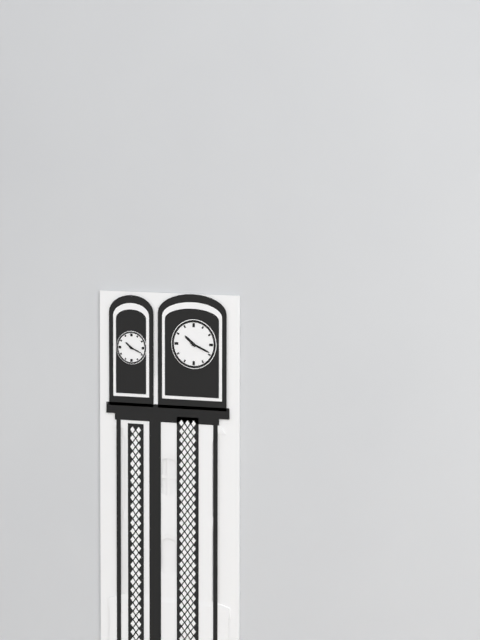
10:19
